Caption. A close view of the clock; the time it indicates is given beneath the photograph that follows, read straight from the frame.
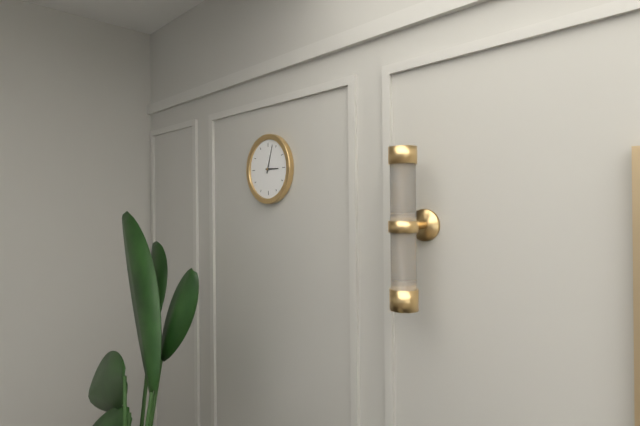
3:03
